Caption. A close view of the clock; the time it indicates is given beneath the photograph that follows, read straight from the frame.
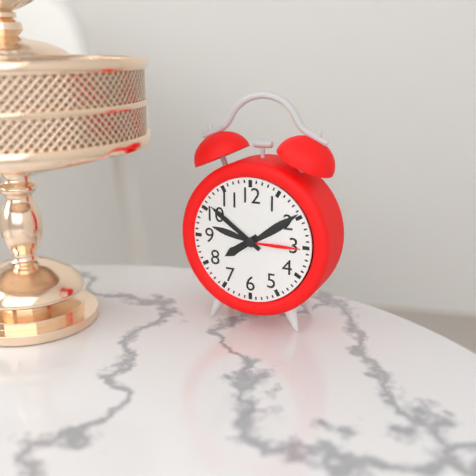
7:51
